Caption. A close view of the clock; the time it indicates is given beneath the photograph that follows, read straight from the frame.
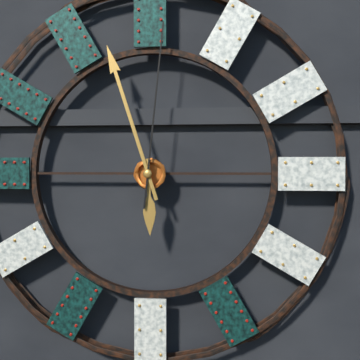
5:57:01
